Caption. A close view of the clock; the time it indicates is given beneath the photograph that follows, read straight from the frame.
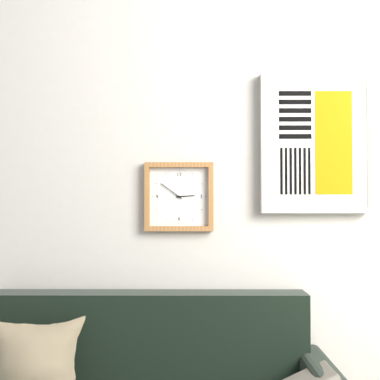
2:51
